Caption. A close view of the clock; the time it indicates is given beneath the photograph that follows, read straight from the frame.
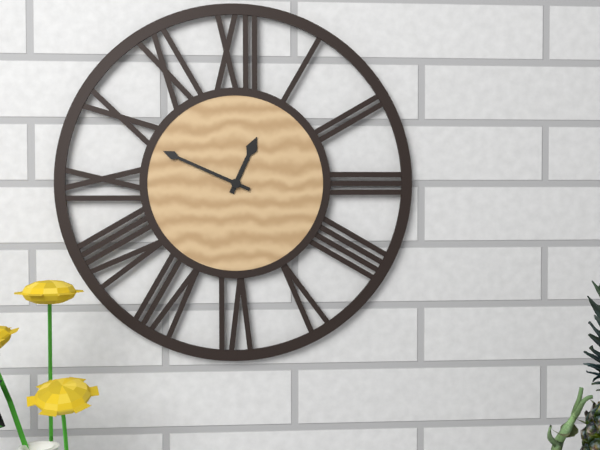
12:49
